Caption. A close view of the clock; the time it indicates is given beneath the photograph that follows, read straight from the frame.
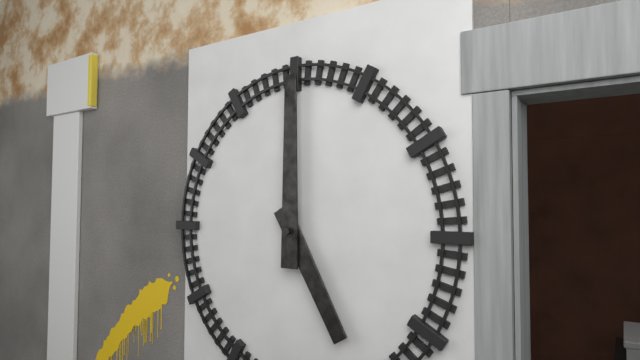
5:00
